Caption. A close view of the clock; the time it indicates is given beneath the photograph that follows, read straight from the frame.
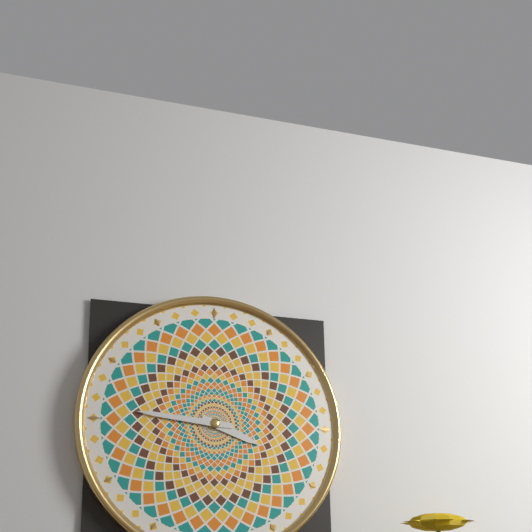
3:46
